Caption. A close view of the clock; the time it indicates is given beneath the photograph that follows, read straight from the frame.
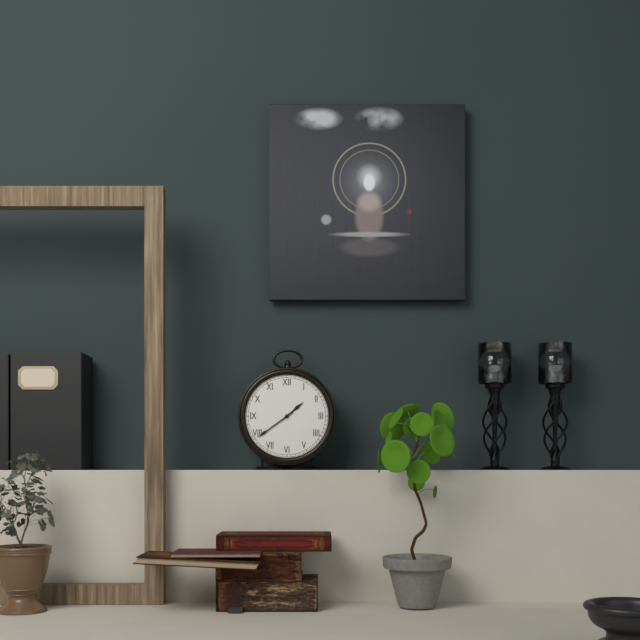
1:39
